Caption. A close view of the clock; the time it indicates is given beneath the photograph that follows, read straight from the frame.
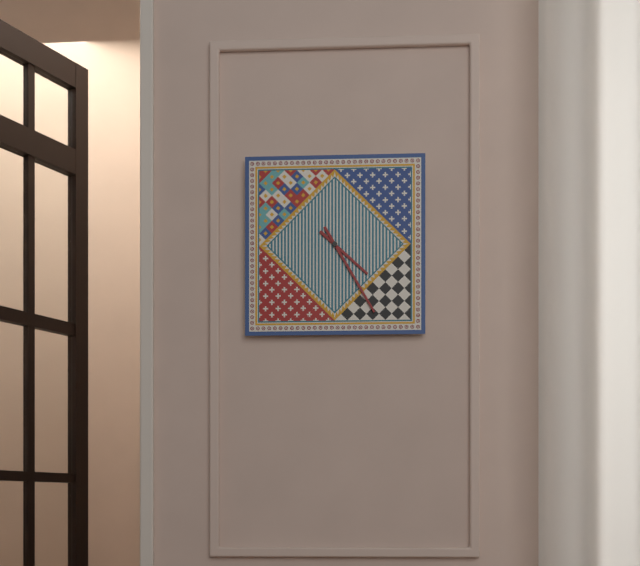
4:25
